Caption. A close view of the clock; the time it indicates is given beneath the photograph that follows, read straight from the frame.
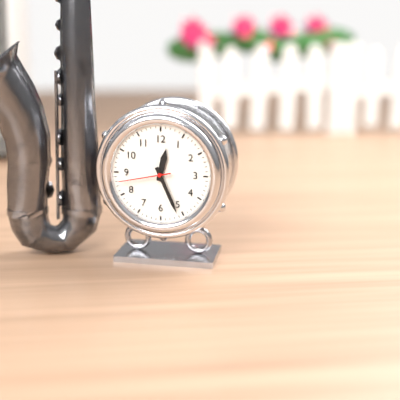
12:26:43
